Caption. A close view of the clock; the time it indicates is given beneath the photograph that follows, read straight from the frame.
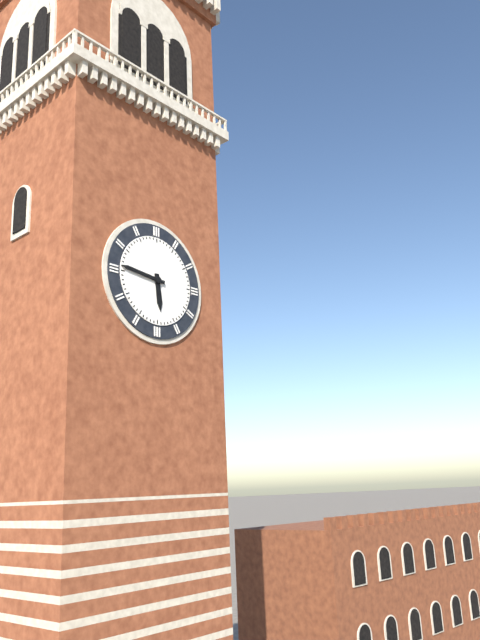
5:46
